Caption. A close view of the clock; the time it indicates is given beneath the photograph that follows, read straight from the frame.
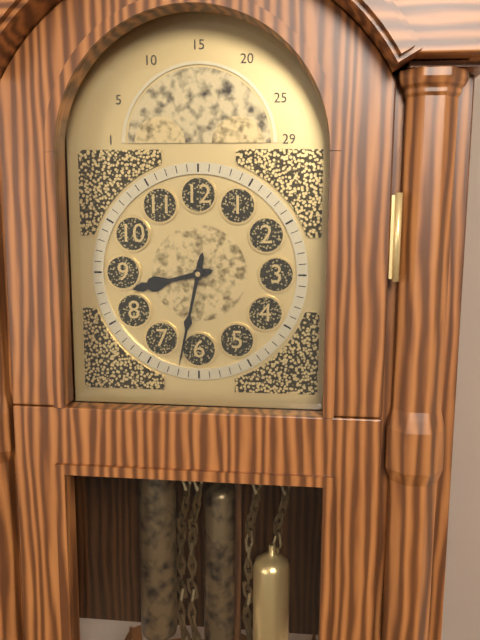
8:32
